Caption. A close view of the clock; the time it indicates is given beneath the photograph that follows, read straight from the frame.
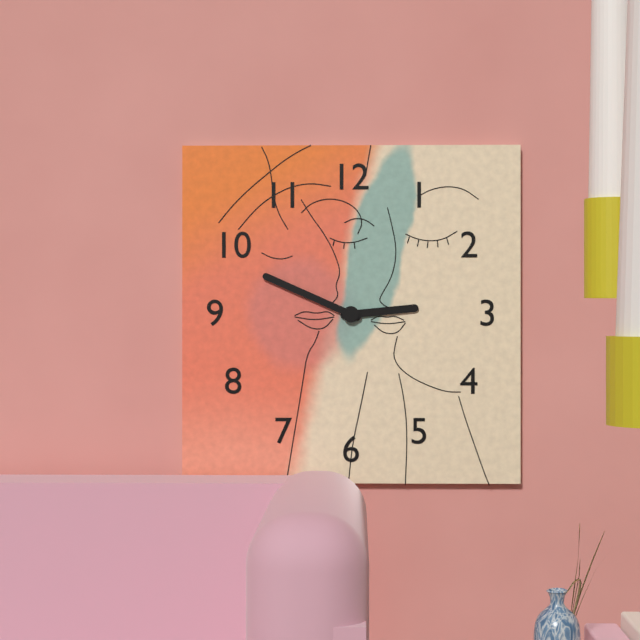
2:49
